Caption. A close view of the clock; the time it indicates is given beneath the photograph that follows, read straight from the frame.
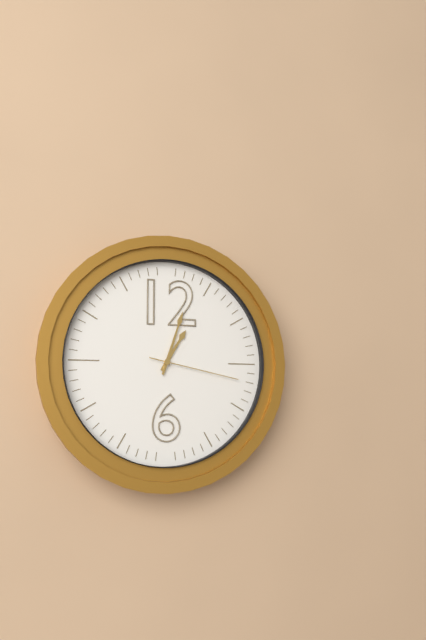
1:03:17
